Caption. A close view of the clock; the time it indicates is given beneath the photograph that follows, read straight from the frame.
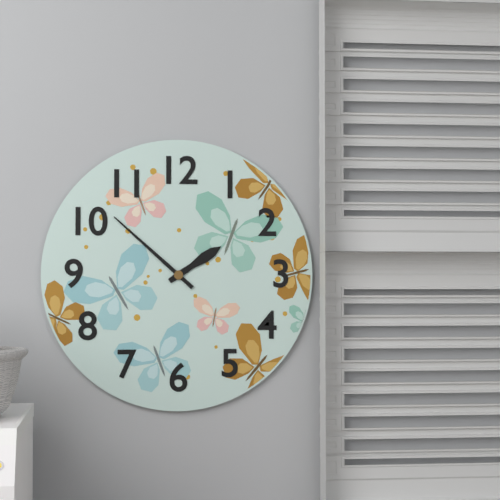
1:52
